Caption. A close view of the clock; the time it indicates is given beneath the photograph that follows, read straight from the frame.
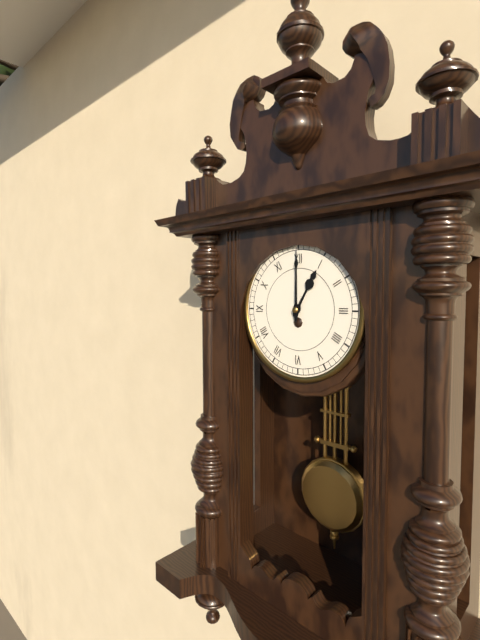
1:00
